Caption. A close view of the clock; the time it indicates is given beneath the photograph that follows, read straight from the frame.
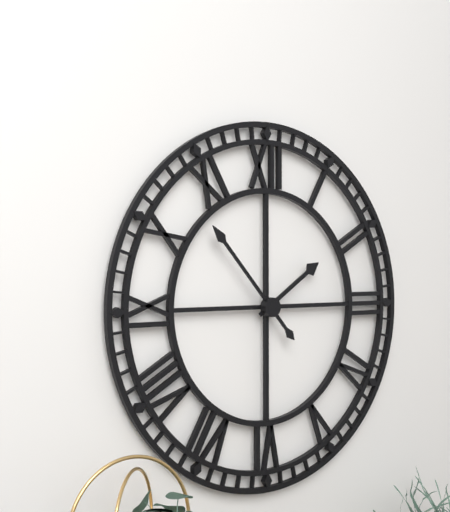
1:53
